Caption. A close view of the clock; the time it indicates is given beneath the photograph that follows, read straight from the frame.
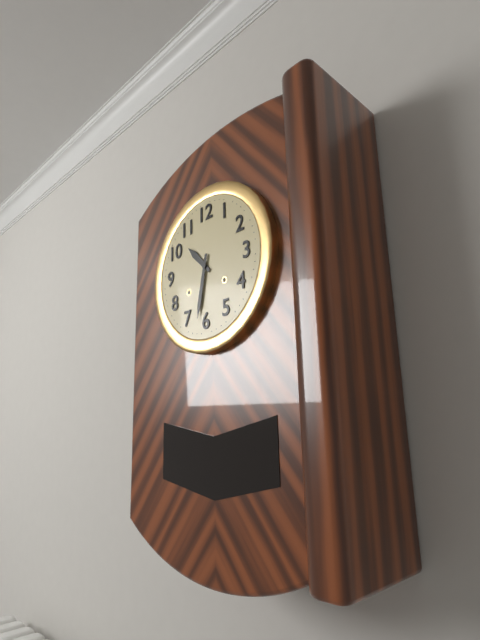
10:32
